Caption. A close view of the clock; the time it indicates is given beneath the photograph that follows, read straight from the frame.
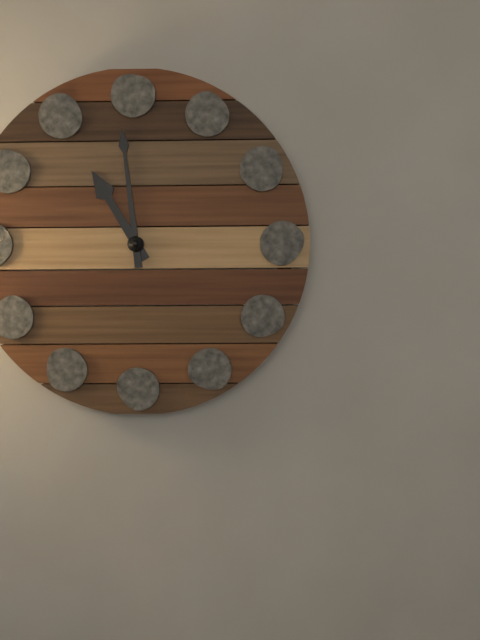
10:59
